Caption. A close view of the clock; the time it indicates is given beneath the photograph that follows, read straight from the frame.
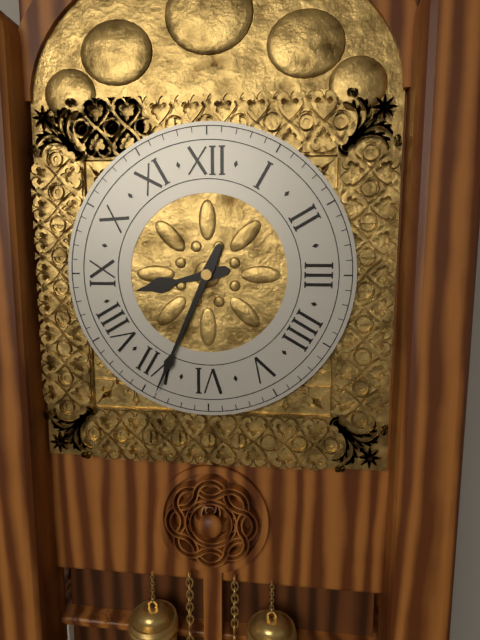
8:34
